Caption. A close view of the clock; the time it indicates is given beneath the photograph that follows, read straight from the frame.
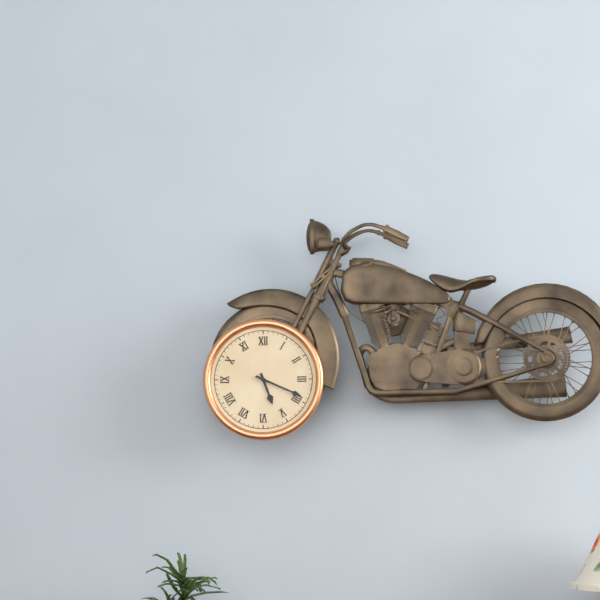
5:19
